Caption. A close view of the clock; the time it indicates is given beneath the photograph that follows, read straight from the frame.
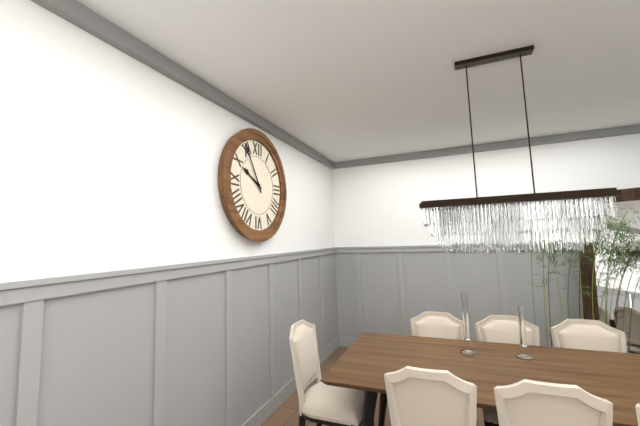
9:55
